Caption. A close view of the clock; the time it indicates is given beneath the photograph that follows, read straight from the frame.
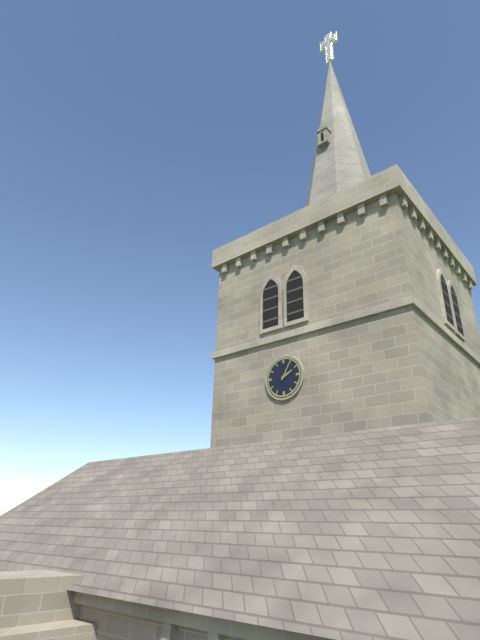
2:05
